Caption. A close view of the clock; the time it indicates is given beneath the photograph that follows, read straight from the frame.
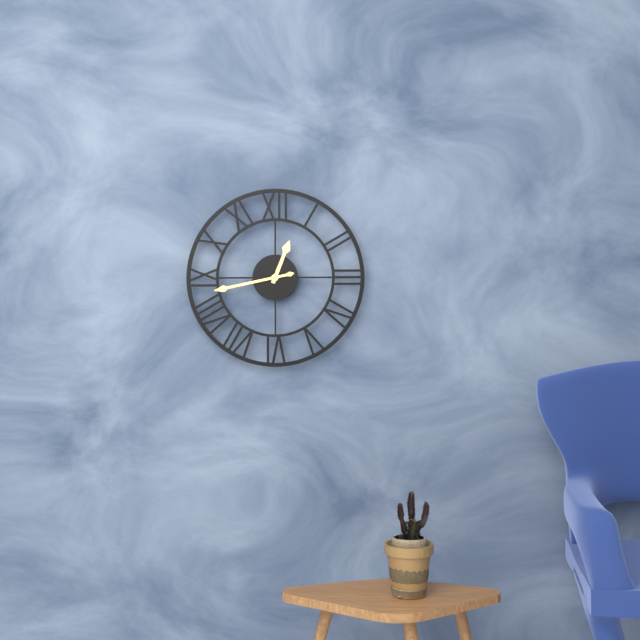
12:43
